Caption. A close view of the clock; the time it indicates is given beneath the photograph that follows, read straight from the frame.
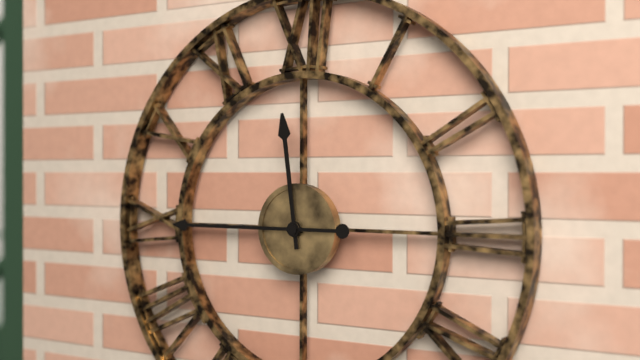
11:45
